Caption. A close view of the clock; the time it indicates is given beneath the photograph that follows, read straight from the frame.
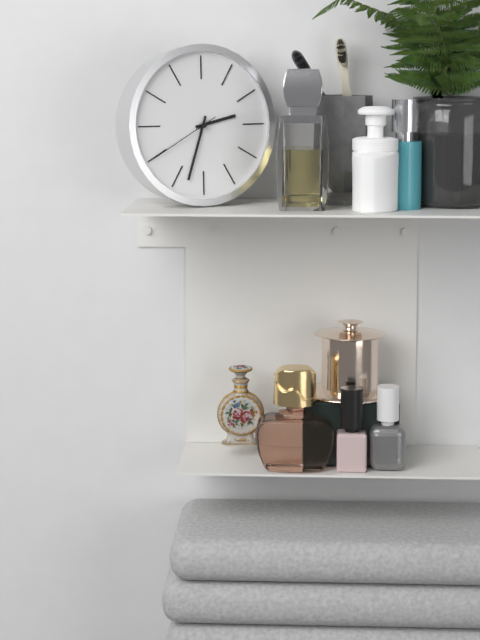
2:33:40
